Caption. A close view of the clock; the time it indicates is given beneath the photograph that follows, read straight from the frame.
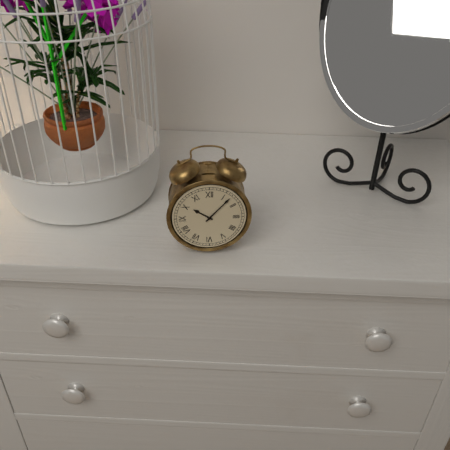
10:07
